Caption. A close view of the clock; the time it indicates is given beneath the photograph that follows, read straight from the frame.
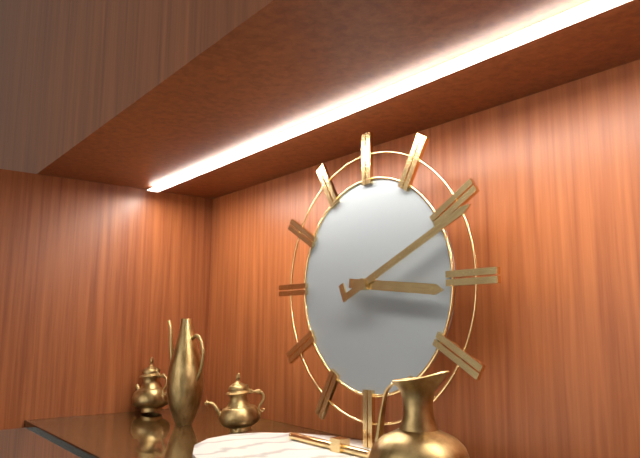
3:11
